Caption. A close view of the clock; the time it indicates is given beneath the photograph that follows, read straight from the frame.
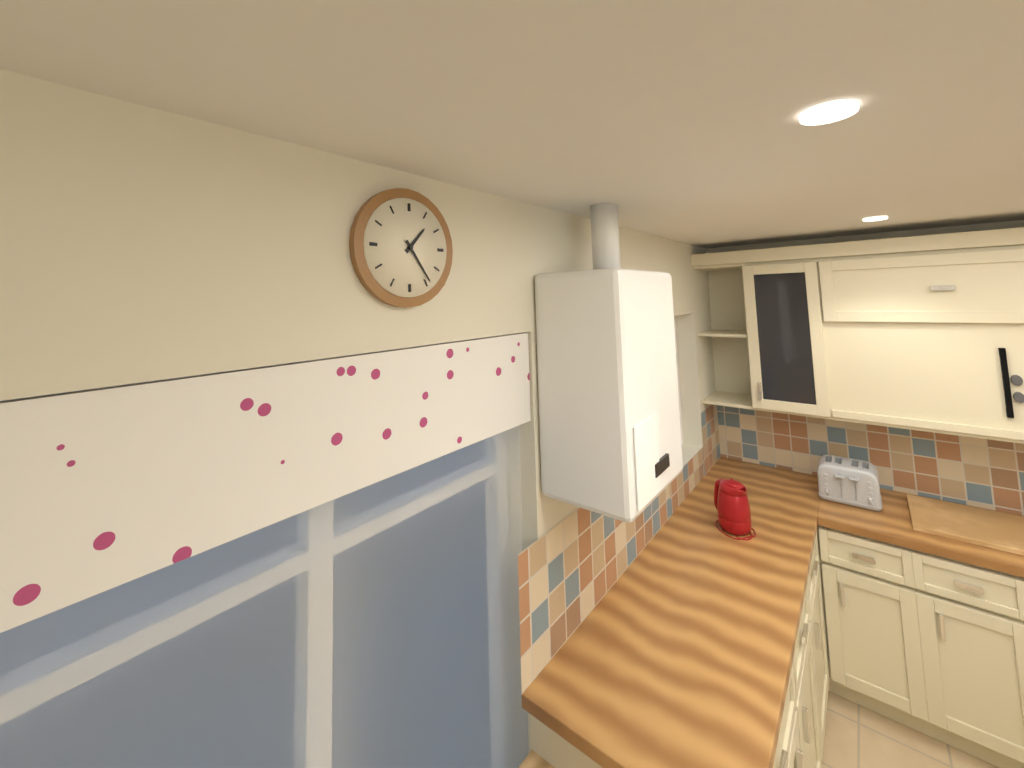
1:24
